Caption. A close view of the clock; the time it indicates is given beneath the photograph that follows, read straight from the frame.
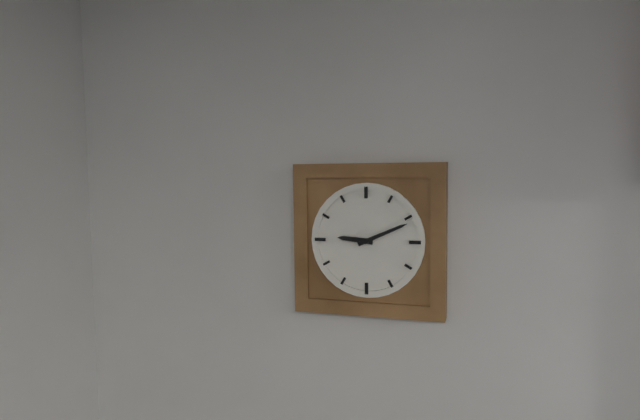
9:11
